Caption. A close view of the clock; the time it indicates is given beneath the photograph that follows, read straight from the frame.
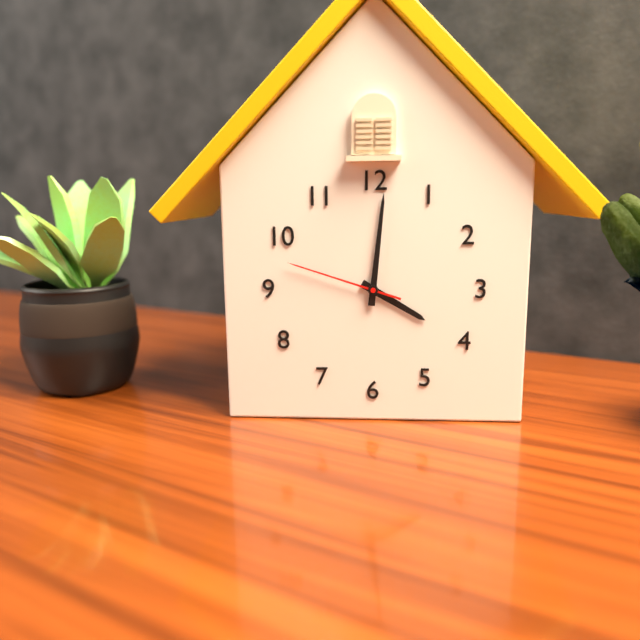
4:01:48
